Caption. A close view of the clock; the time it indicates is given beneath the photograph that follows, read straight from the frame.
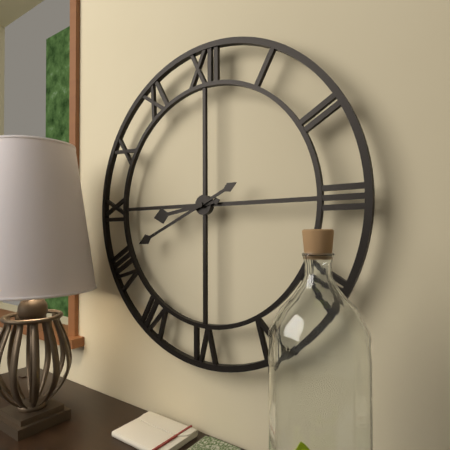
8:41
